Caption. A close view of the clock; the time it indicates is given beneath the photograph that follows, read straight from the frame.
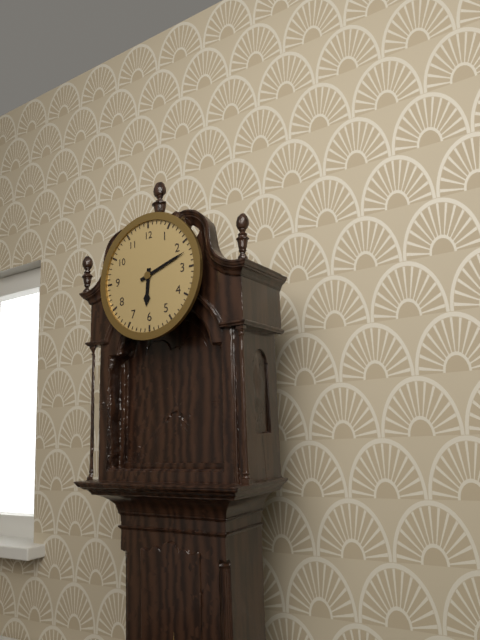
6:12
